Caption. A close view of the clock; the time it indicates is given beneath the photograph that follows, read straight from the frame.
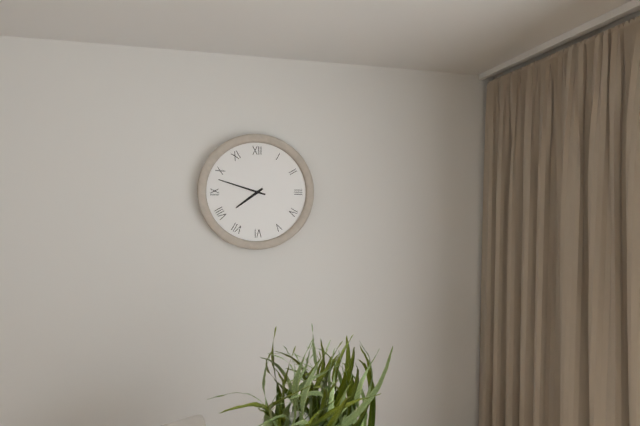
7:48
